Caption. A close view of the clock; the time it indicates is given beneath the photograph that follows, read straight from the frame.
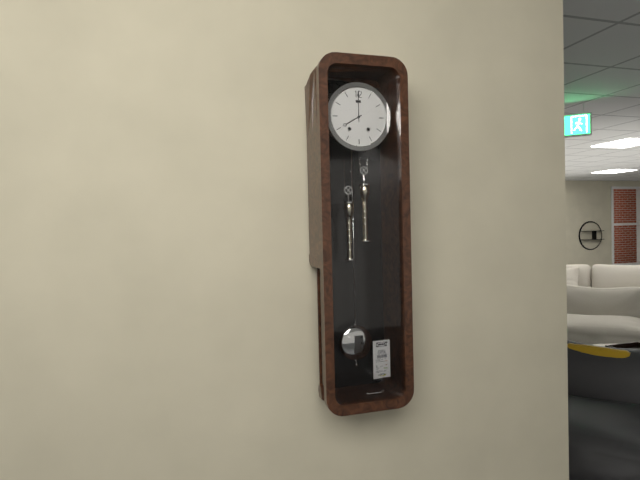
8:00
